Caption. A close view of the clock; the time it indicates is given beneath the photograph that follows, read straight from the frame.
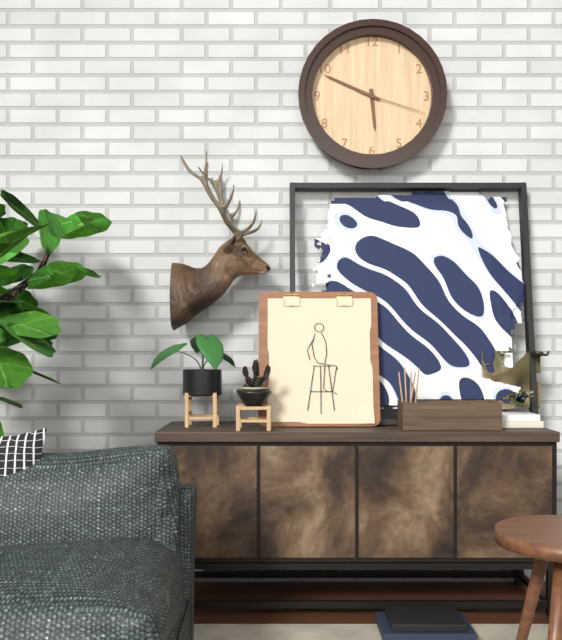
5:49:18
